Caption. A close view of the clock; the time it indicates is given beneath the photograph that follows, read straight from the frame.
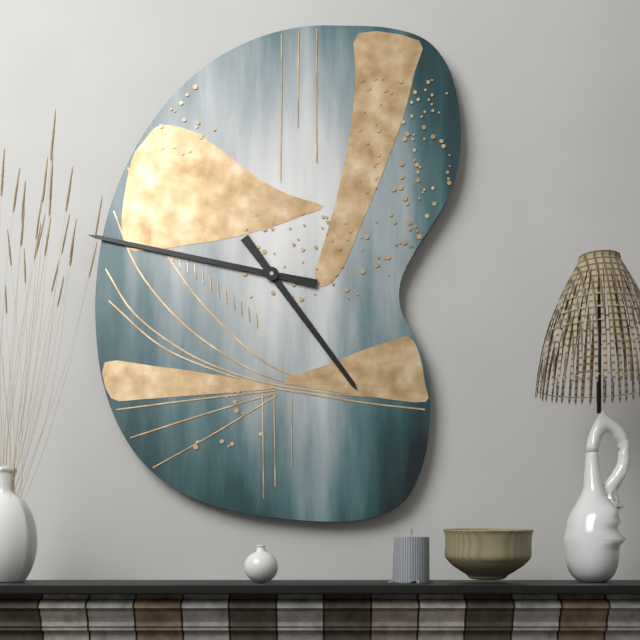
4:47
